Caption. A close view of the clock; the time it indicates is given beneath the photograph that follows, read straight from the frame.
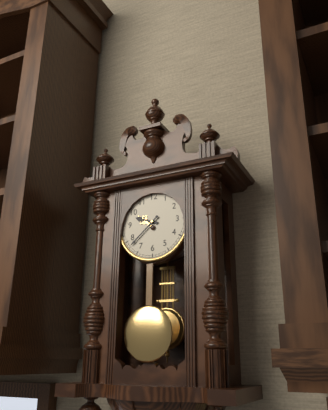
9:38
